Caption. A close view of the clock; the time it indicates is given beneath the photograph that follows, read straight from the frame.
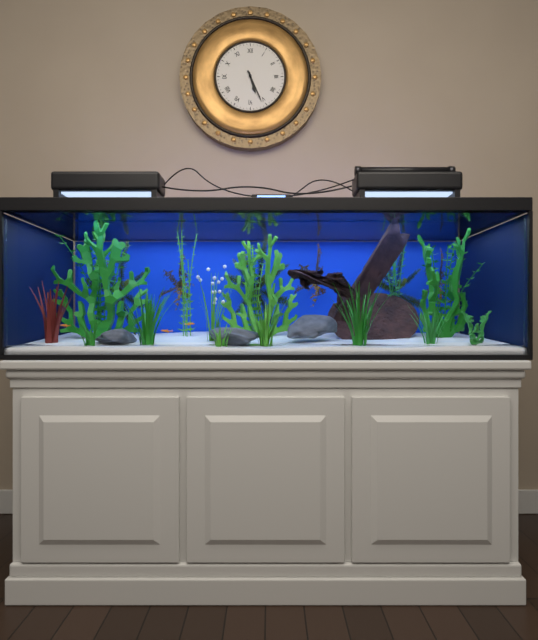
5:26
